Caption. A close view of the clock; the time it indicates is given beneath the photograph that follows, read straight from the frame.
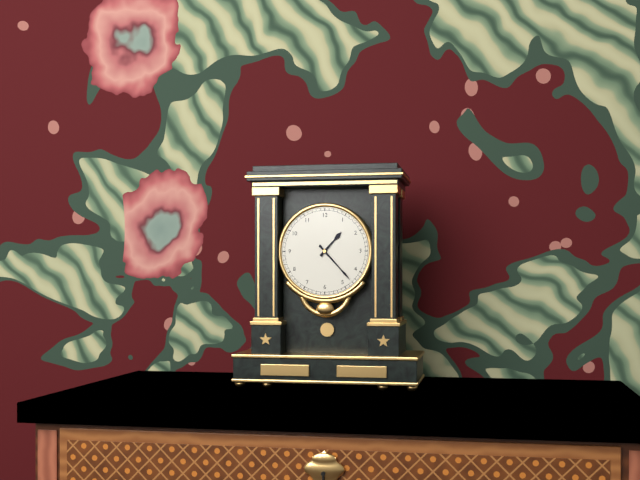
1:23
